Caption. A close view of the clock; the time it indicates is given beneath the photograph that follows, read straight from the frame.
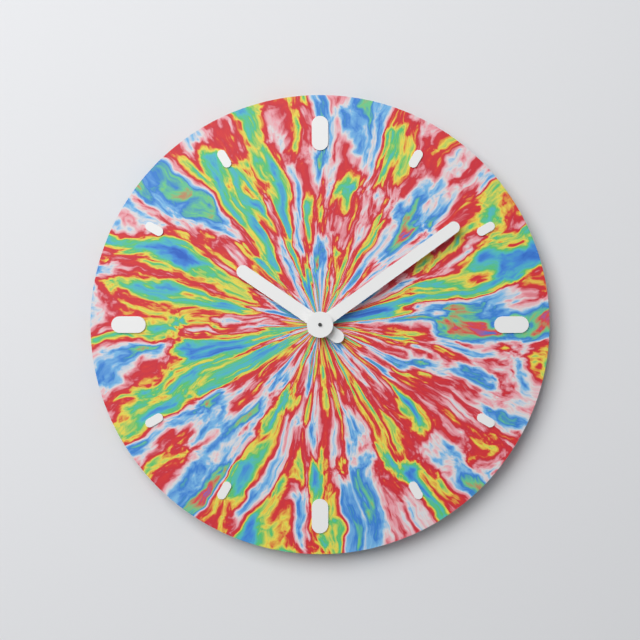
10:09
